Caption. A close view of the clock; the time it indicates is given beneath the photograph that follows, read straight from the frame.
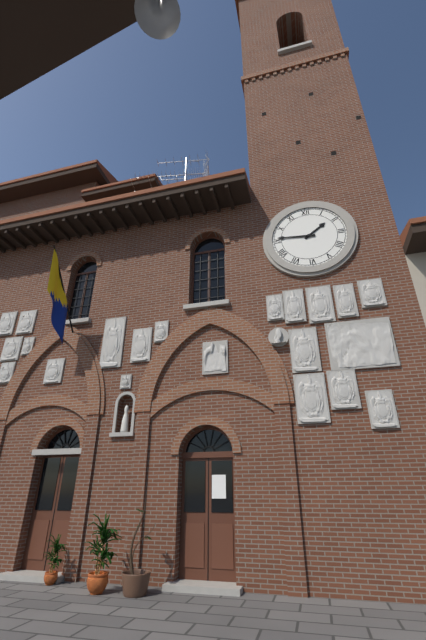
1:46
